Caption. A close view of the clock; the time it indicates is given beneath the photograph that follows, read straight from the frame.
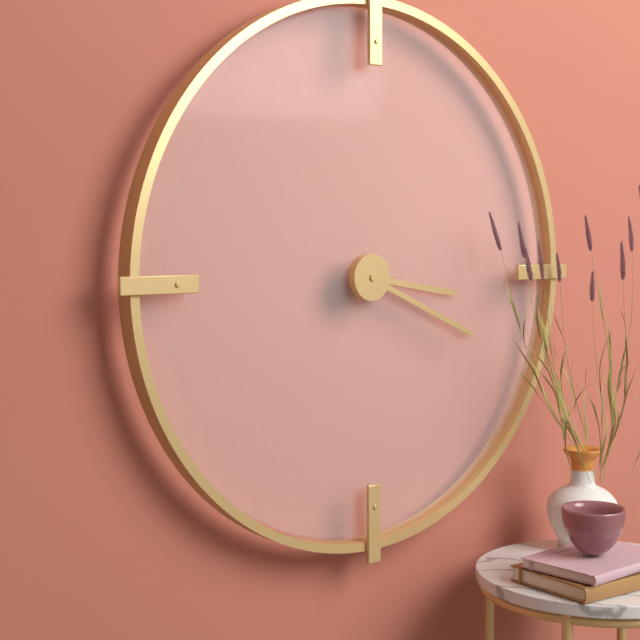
3:19
